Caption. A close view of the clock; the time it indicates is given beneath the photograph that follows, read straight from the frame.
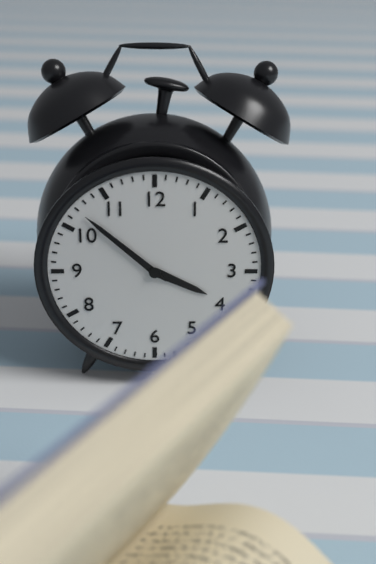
3:52
